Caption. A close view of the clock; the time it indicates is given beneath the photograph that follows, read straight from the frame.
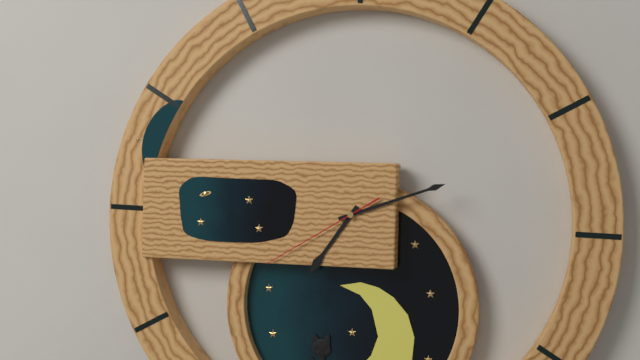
7:12:40
